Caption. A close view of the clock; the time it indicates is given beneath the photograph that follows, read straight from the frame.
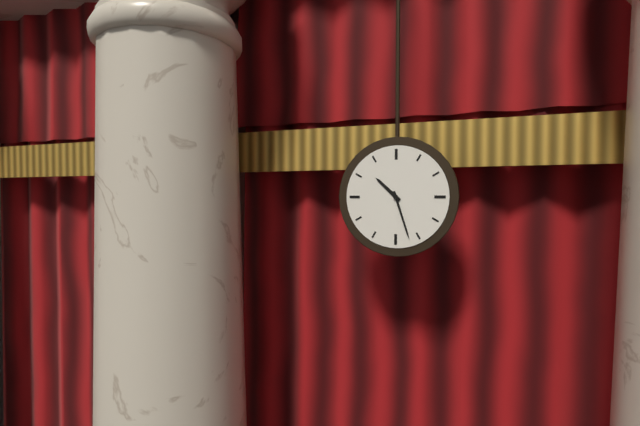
10:27
